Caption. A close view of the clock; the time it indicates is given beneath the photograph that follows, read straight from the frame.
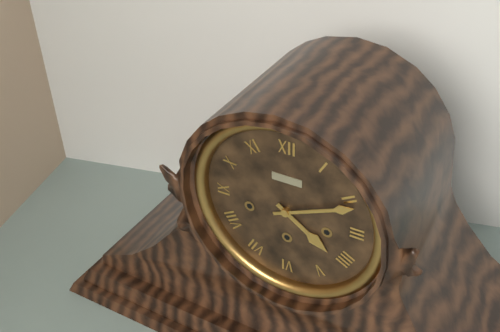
4:11
